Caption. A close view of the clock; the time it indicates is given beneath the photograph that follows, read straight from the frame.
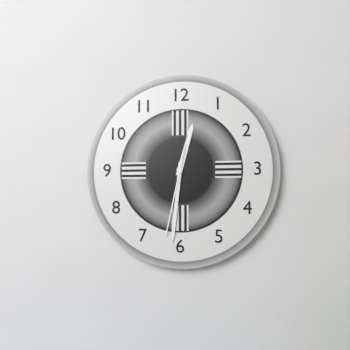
12:31:32
